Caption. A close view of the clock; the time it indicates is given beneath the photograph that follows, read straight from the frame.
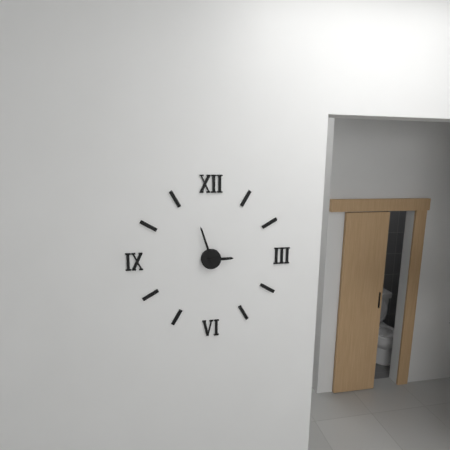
2:57
